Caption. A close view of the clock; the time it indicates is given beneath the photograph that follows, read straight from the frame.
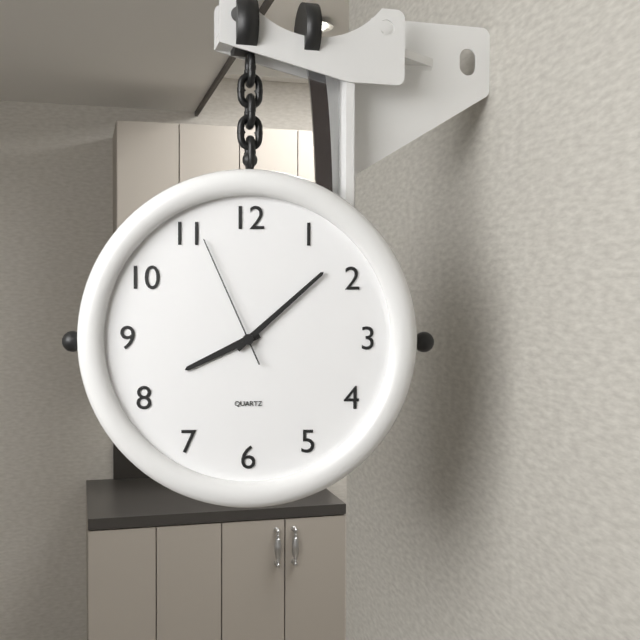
8:08:56
